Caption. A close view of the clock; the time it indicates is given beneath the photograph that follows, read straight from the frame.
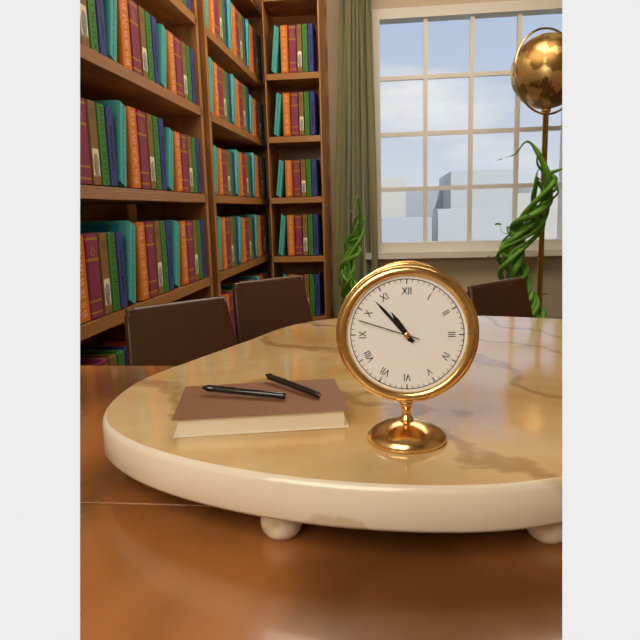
10:53:48
